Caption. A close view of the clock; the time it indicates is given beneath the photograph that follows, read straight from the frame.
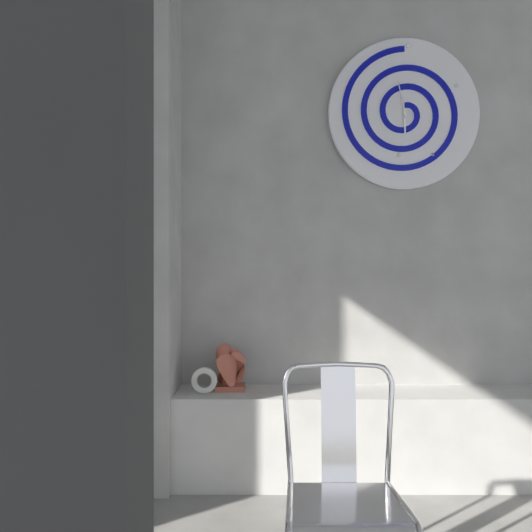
5:58
